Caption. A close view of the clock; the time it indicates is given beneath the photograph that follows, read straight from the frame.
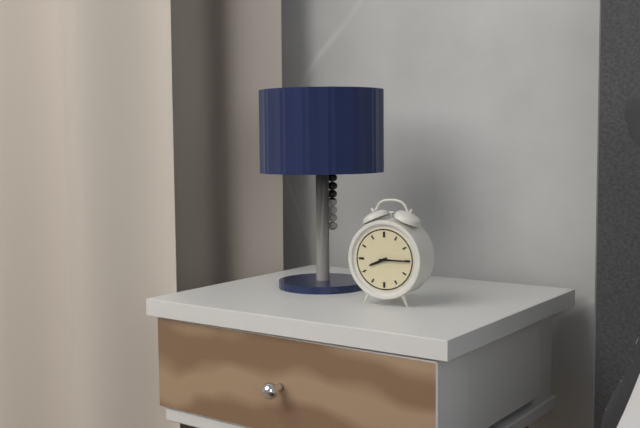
8:15
